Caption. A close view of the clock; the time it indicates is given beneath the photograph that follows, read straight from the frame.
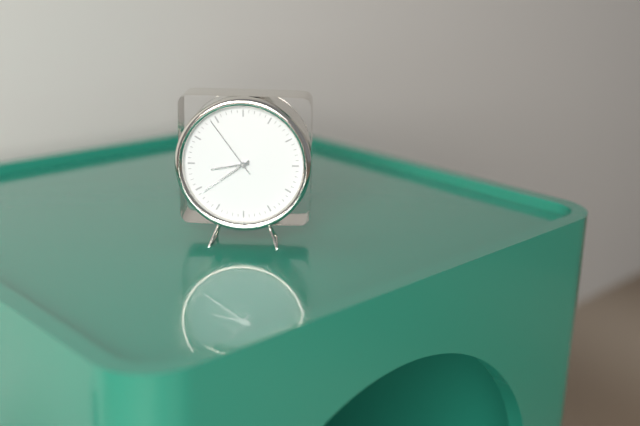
8:39:54
